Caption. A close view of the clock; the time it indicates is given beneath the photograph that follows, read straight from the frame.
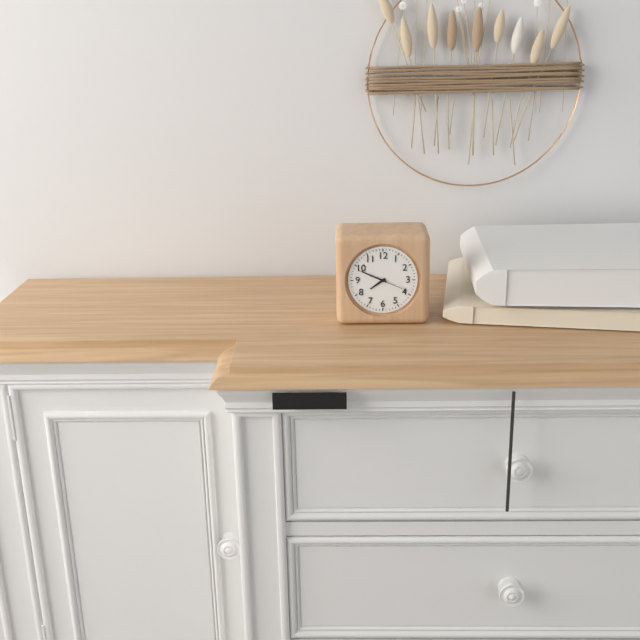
7:49
